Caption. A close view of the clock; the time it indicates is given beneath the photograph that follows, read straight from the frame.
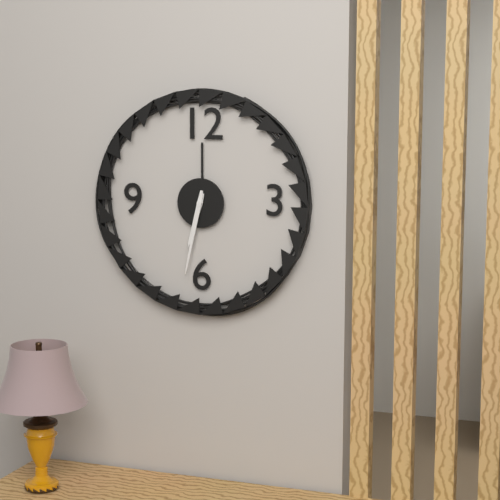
6:32
